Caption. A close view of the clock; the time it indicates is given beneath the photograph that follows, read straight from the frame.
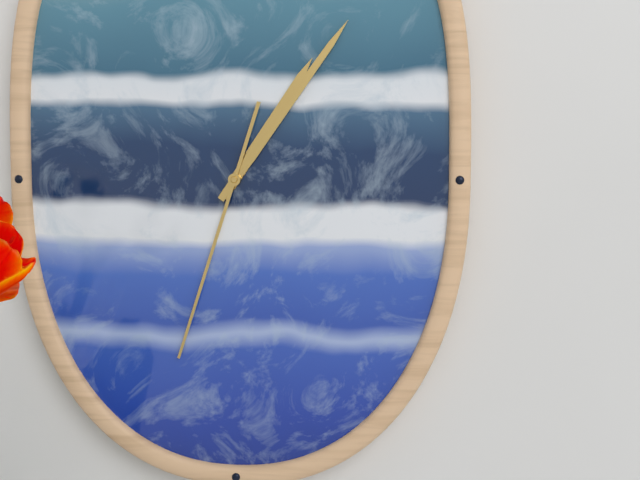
1:06:33
